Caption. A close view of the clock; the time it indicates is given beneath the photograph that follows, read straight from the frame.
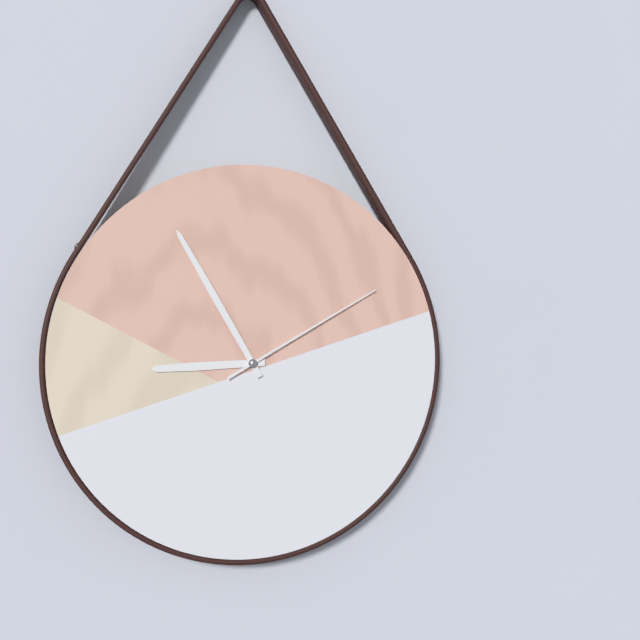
8:55:10
